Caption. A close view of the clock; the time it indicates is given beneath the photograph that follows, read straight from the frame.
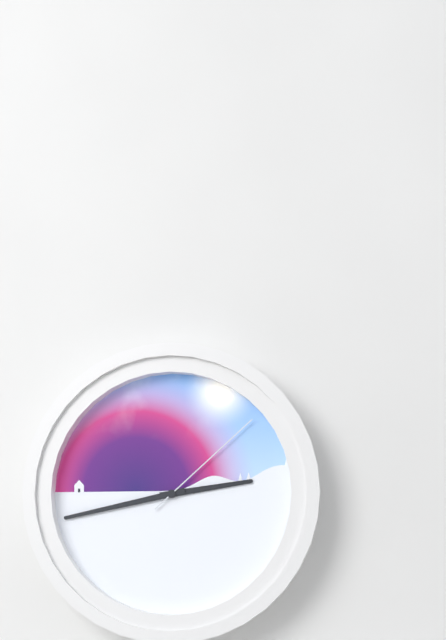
2:43:08
